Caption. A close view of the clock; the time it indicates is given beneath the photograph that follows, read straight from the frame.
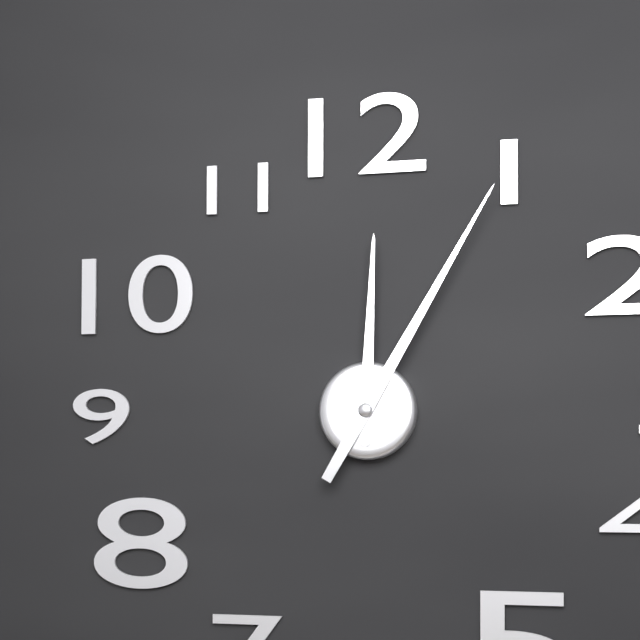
12:05
